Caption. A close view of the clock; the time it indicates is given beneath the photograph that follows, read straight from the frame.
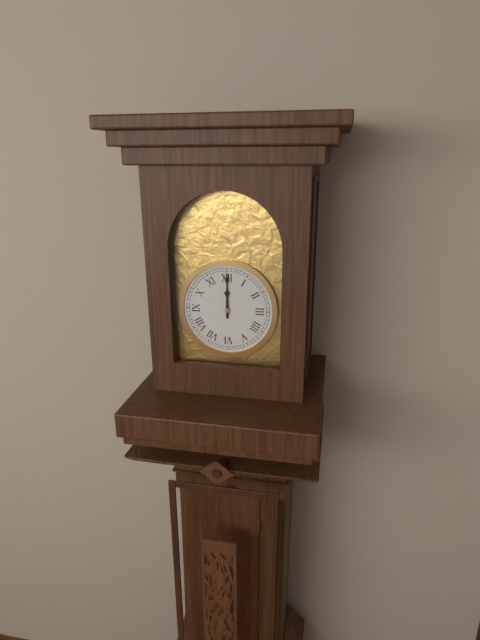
12:00
